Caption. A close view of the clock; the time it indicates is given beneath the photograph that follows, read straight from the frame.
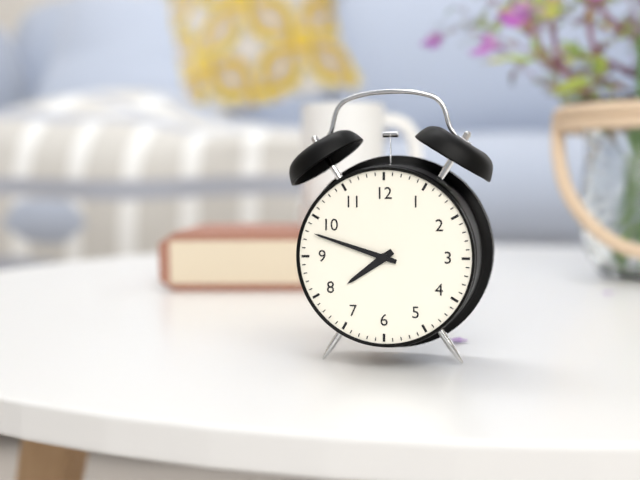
7:48
